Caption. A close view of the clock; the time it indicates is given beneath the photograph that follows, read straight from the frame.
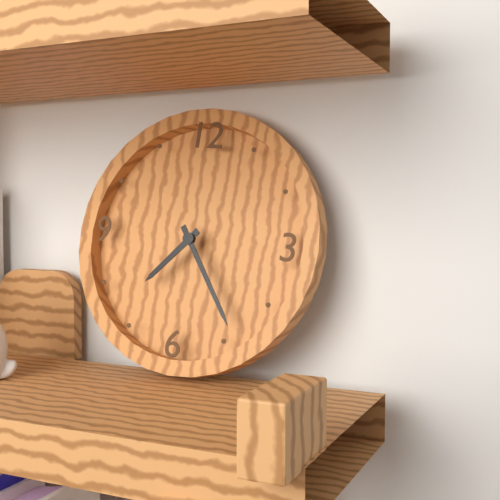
7:24
